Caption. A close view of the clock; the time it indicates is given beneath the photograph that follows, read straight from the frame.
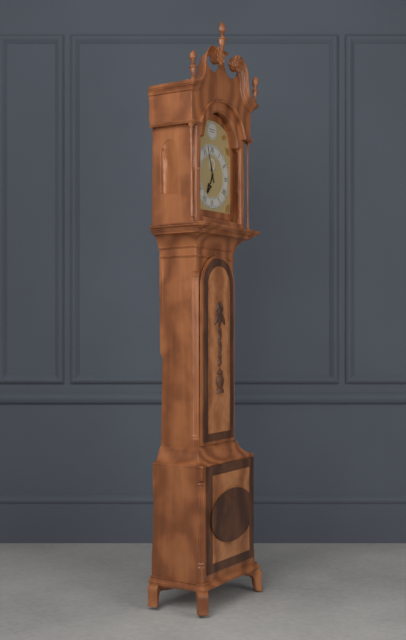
6:57
